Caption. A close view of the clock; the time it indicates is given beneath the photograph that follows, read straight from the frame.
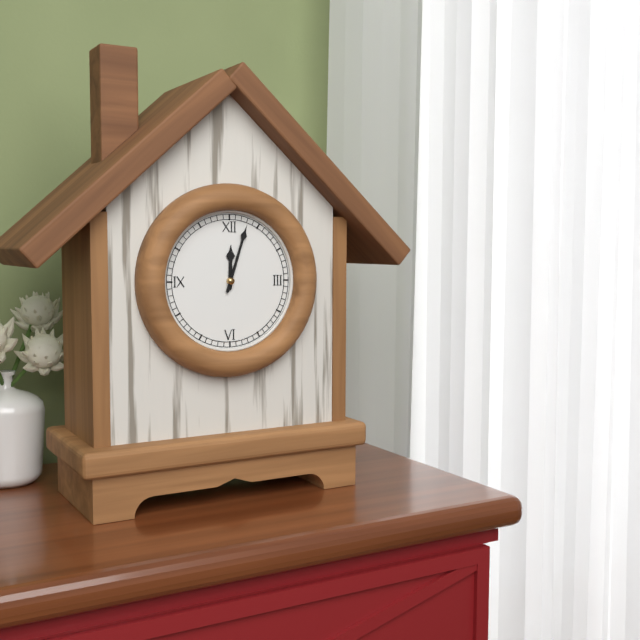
12:03
